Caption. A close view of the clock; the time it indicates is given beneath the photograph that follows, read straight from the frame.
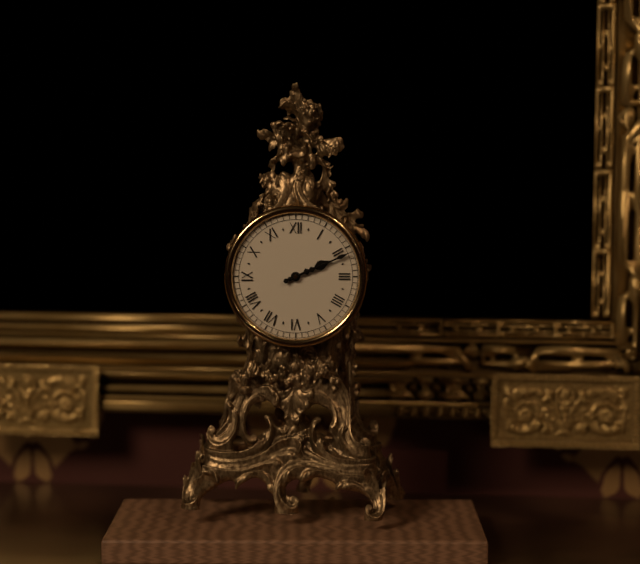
2:11
